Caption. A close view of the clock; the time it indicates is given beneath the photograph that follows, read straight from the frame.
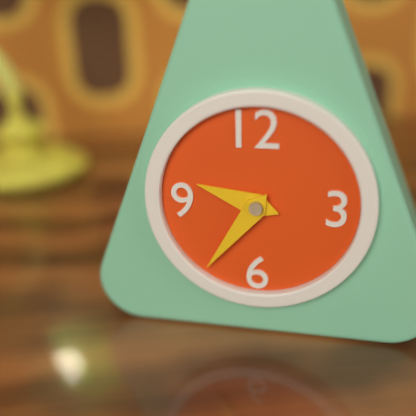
9:36
